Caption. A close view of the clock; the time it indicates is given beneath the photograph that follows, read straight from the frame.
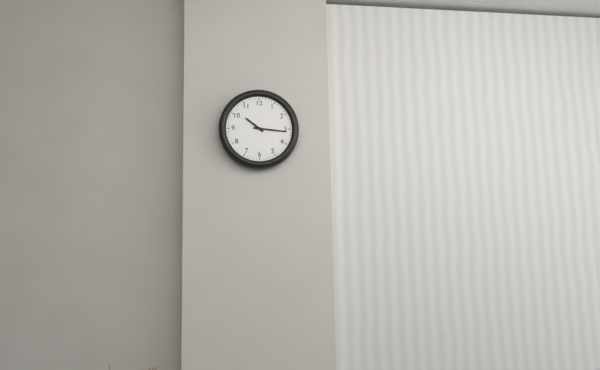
10:16
